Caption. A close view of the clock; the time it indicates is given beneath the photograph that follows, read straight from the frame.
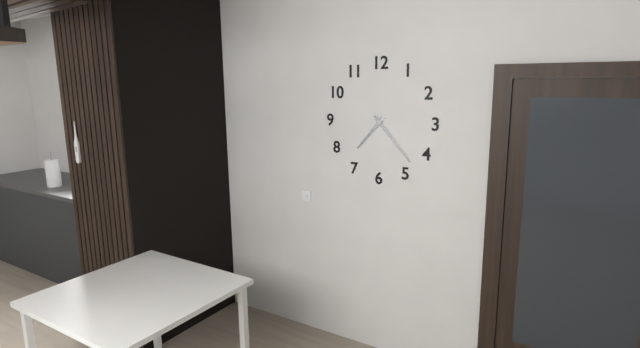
7:23
